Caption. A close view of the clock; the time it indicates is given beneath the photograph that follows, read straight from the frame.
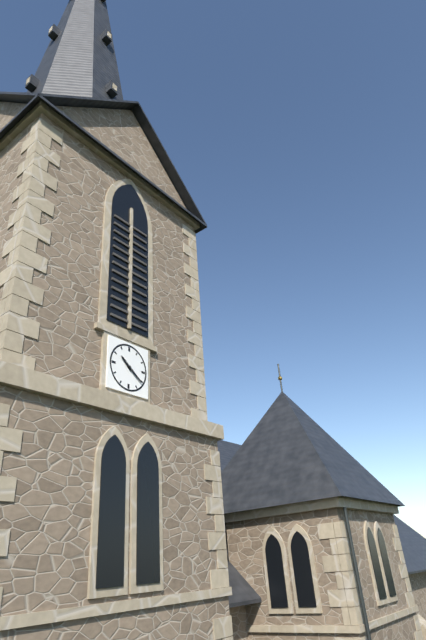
10:21
